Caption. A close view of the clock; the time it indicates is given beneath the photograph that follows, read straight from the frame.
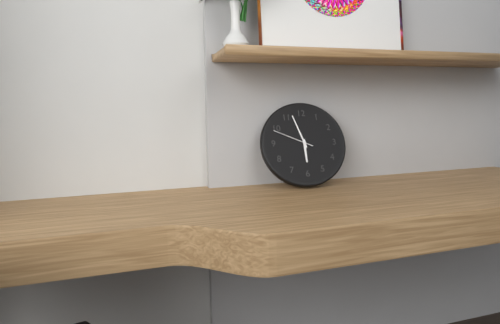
5:57
